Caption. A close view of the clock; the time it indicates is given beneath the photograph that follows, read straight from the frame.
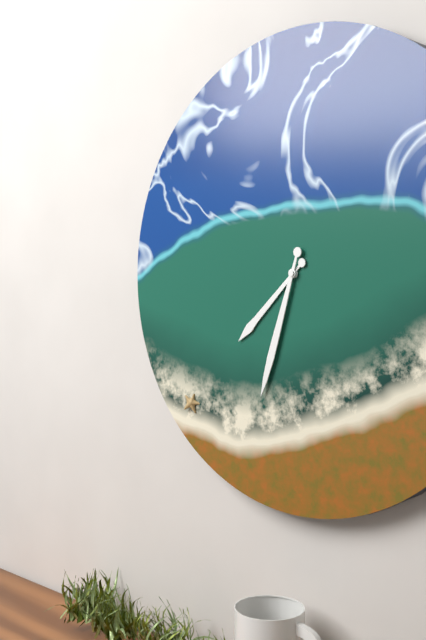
7:33
